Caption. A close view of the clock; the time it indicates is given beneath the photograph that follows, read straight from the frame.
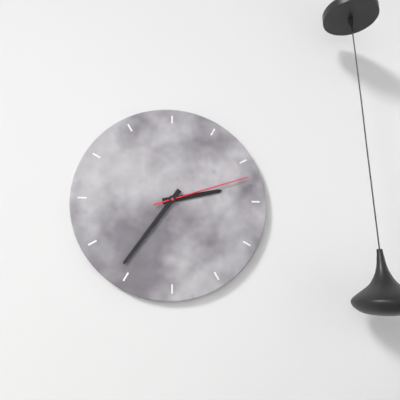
2:36:12
